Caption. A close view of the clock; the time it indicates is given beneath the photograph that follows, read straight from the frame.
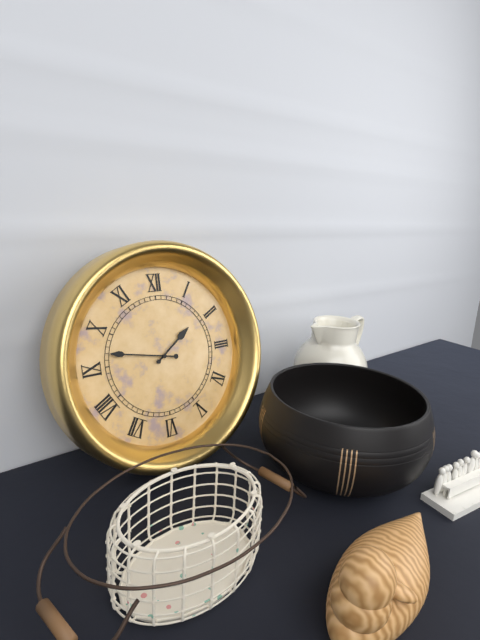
1:47
